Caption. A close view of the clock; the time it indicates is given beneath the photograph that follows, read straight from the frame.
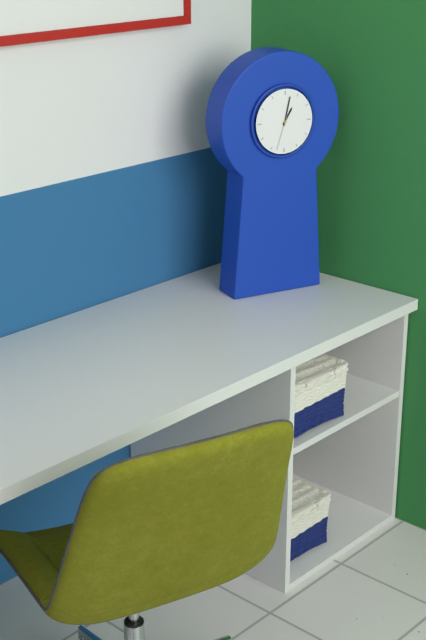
1:02
